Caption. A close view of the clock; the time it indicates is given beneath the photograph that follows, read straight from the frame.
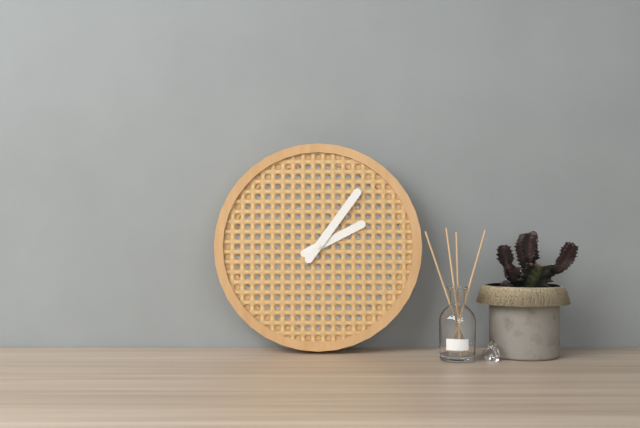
2:06
